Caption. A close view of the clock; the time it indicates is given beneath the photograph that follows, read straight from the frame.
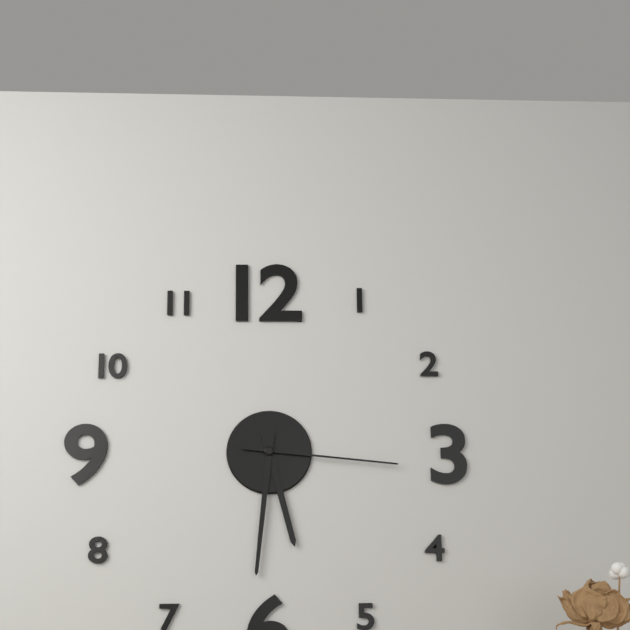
5:31:16
